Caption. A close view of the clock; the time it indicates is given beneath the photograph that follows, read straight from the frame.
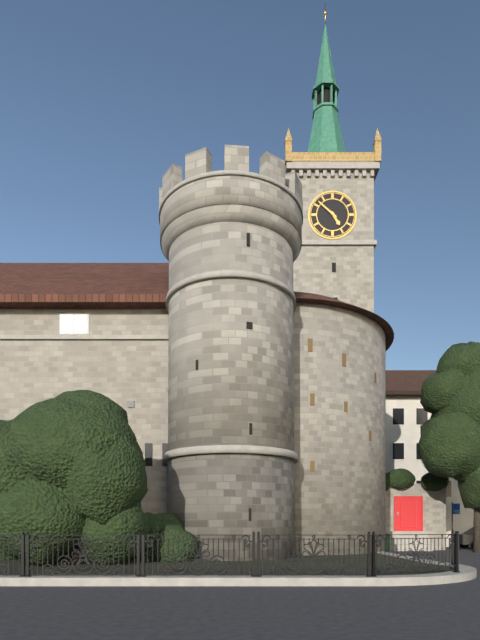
4:52
